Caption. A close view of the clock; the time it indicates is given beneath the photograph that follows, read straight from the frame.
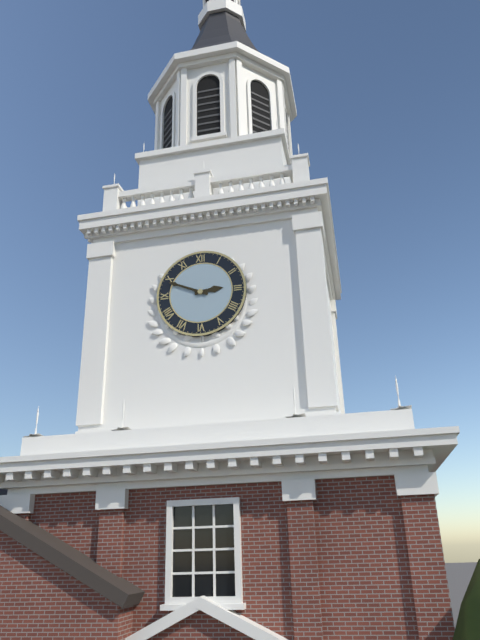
2:49
